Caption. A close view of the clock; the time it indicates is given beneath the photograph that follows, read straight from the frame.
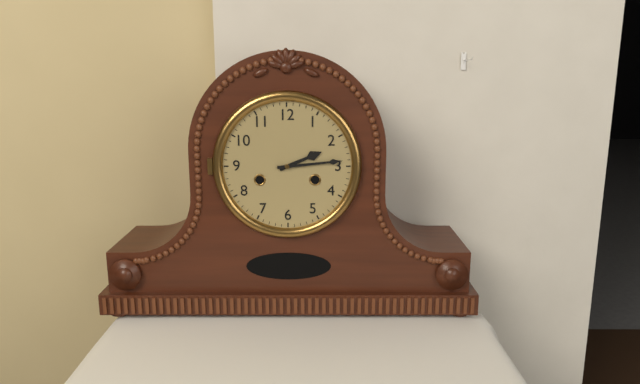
2:14
